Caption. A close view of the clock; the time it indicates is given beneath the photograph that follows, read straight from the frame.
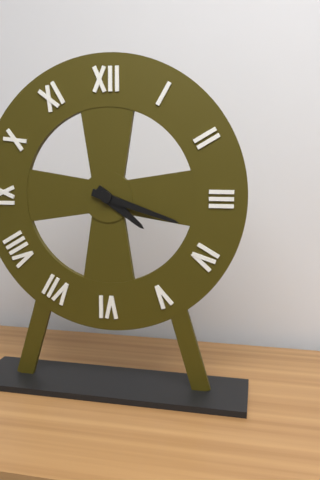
4:18
